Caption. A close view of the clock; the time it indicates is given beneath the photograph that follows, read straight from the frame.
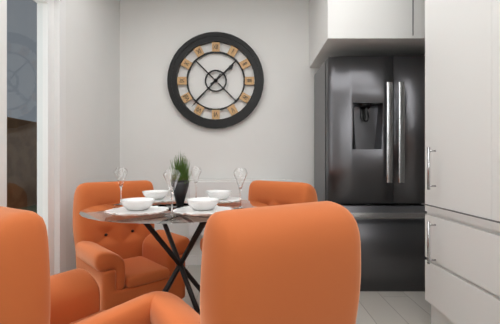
1:37
